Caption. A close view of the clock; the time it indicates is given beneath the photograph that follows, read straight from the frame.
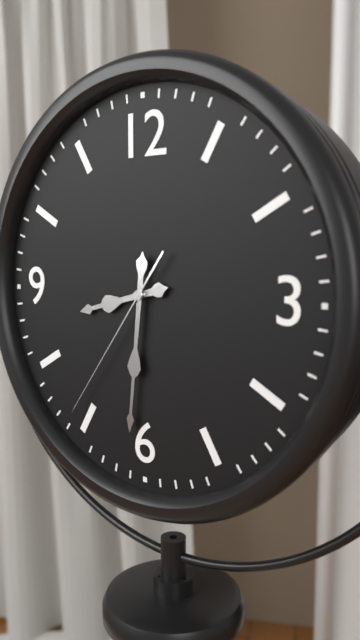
8:31:36
